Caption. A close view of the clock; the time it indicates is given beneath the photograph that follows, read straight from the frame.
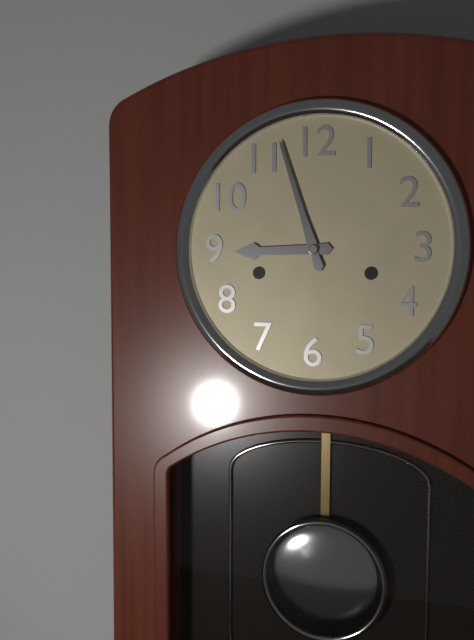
8:57
